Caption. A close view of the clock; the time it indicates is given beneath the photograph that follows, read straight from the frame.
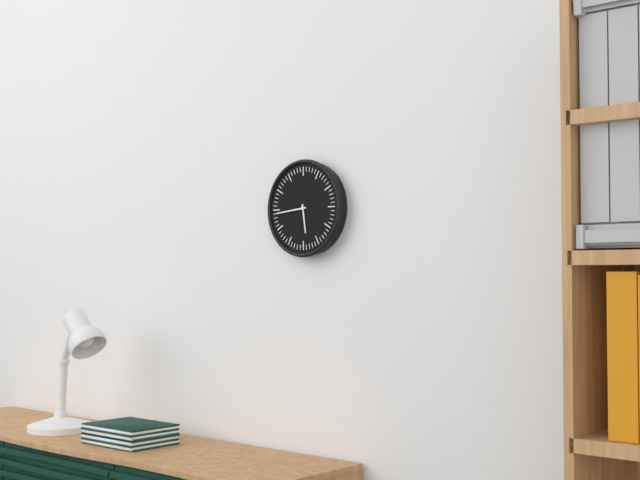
5:44
